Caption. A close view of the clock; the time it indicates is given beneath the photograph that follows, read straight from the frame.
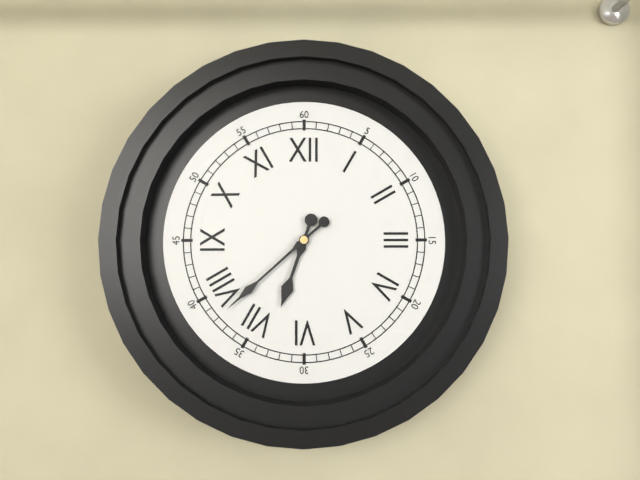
6:38
